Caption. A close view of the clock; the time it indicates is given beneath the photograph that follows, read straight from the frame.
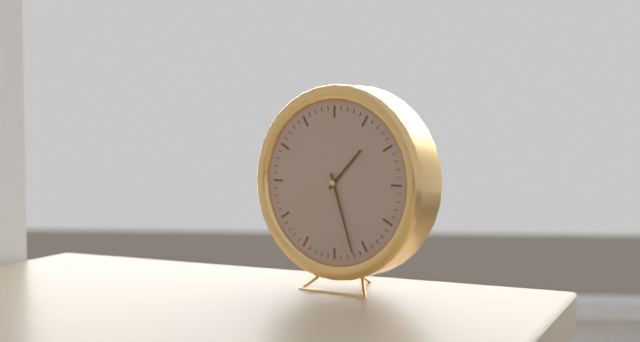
1:27
